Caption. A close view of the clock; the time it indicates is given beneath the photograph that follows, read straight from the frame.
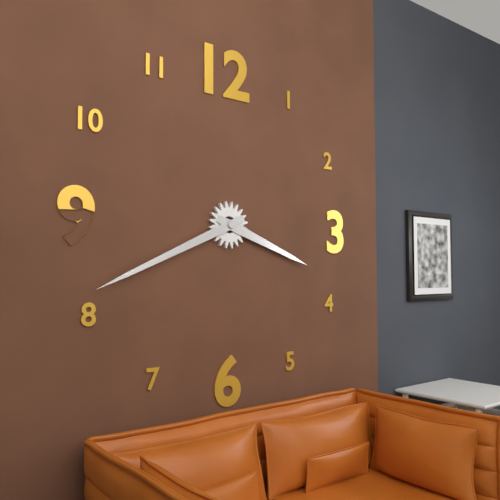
3:41
